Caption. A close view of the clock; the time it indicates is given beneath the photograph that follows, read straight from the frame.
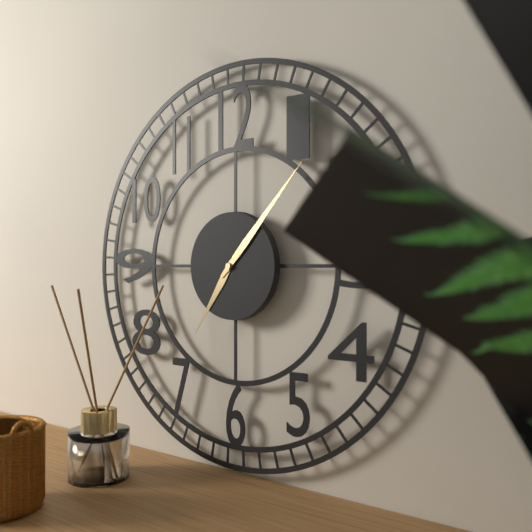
7:07
